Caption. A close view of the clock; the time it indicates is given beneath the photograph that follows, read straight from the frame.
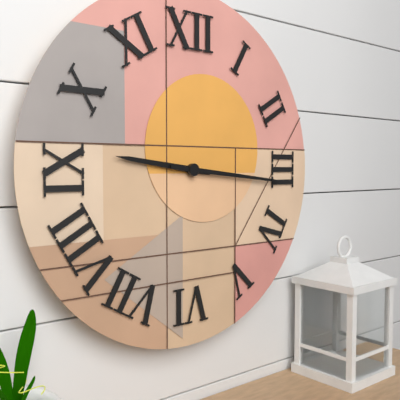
9:16
